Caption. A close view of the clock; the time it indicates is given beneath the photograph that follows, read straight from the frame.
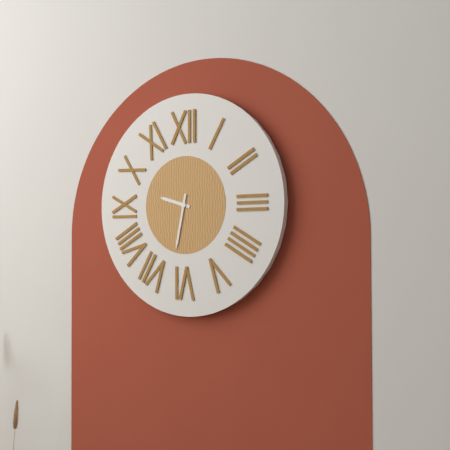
9:32
